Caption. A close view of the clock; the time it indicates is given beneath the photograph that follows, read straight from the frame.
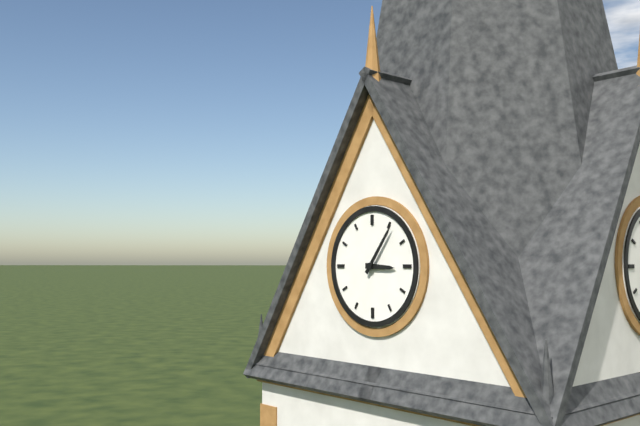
3:06
